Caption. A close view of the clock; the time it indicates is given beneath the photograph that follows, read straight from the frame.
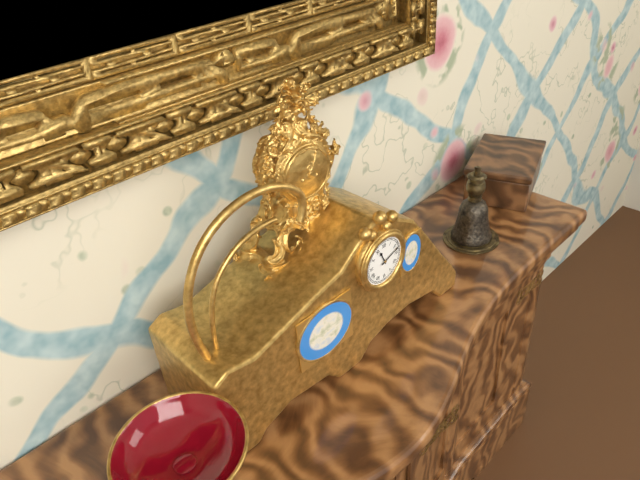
11:12
